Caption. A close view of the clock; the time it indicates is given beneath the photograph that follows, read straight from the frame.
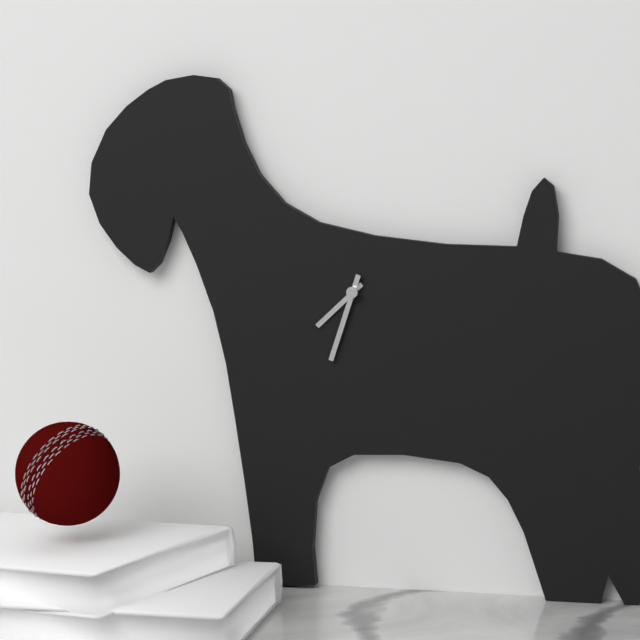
7:33
